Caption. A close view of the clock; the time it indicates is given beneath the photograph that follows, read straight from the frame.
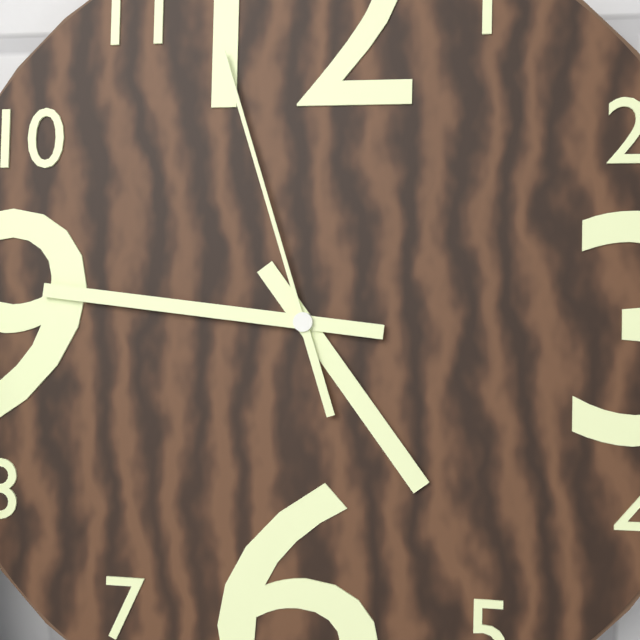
4:46:57
